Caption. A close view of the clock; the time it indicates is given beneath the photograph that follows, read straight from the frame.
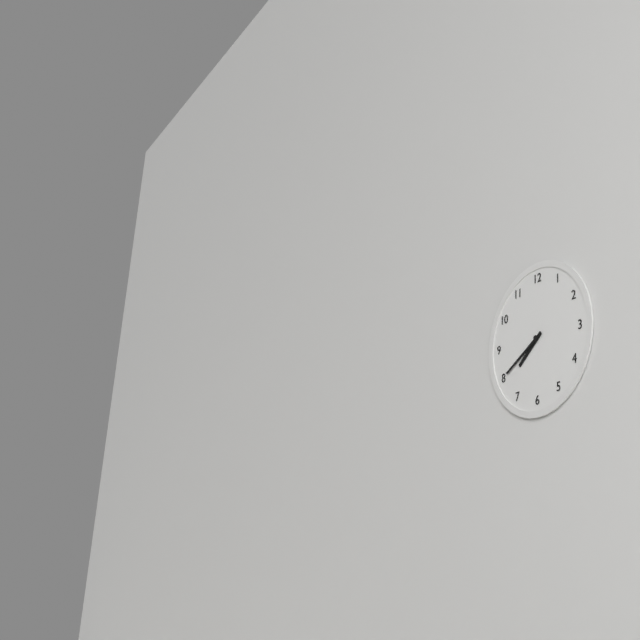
7:40
